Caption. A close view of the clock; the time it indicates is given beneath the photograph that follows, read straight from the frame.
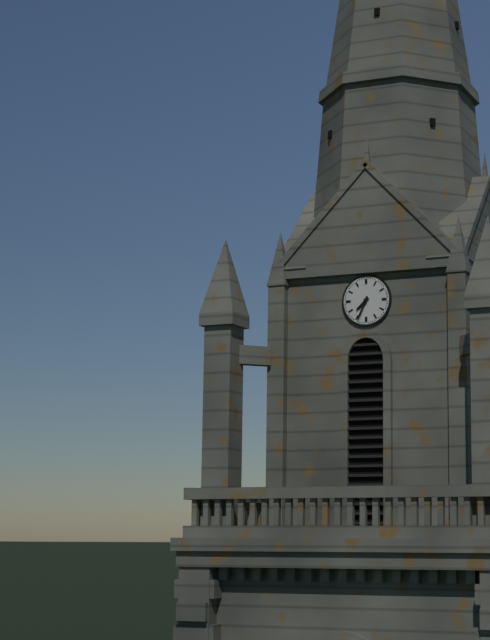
7:34
